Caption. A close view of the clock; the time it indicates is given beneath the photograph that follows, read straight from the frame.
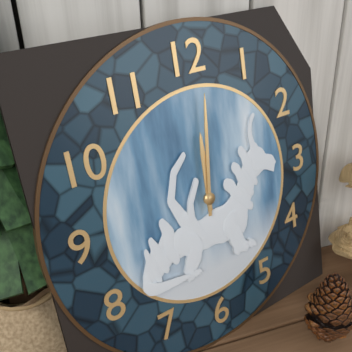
12:01
